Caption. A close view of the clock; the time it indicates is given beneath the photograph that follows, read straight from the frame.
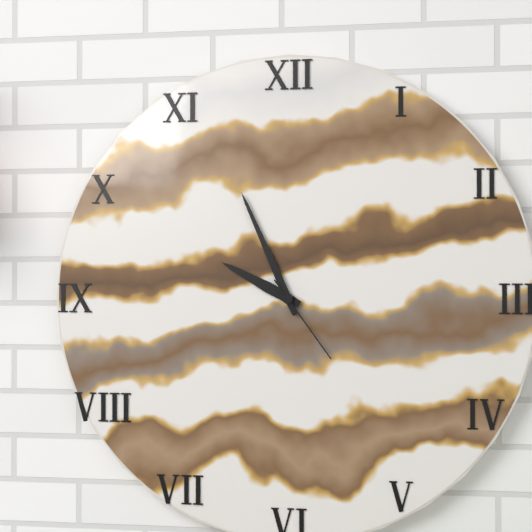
9:56:24
